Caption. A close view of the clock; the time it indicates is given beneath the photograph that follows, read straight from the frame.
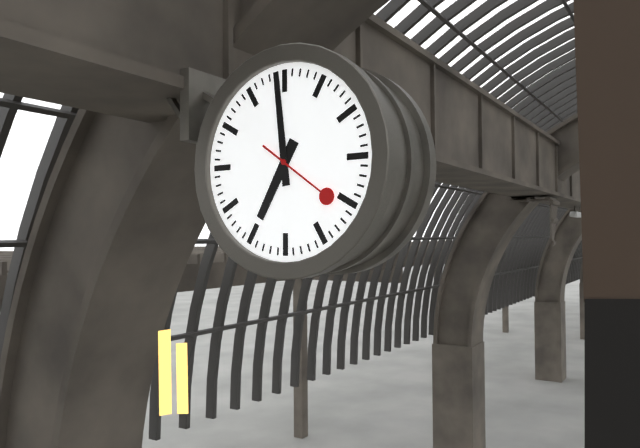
6:59:21
